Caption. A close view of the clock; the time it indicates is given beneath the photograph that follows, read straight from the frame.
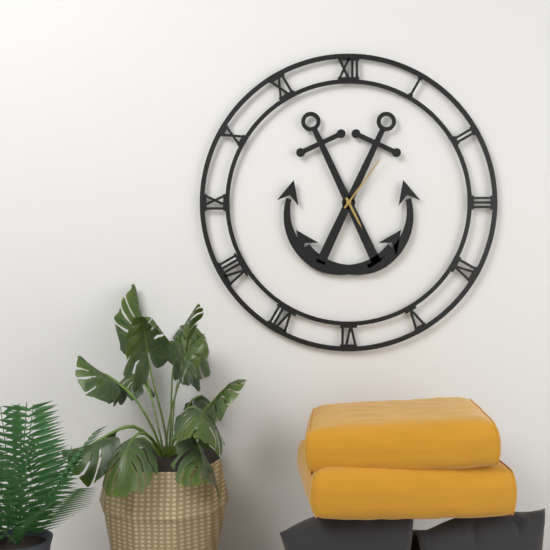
5:06
